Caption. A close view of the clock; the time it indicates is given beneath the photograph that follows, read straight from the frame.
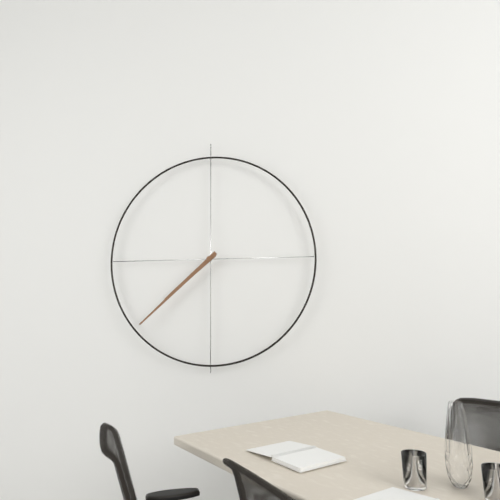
7:38
